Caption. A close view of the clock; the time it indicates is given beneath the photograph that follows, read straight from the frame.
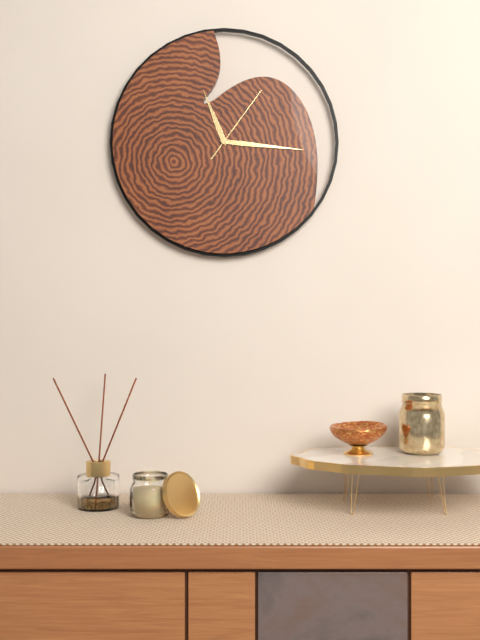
11:16:06
